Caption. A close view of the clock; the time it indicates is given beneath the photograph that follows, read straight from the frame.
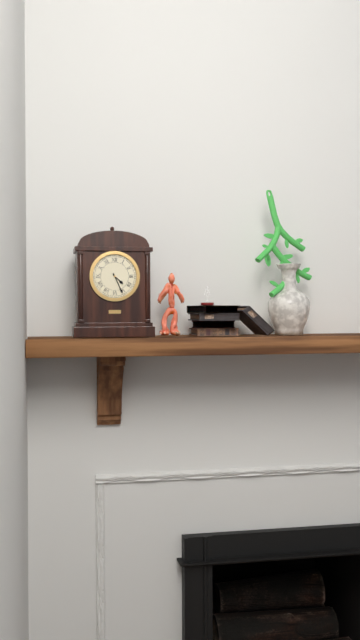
4:26
